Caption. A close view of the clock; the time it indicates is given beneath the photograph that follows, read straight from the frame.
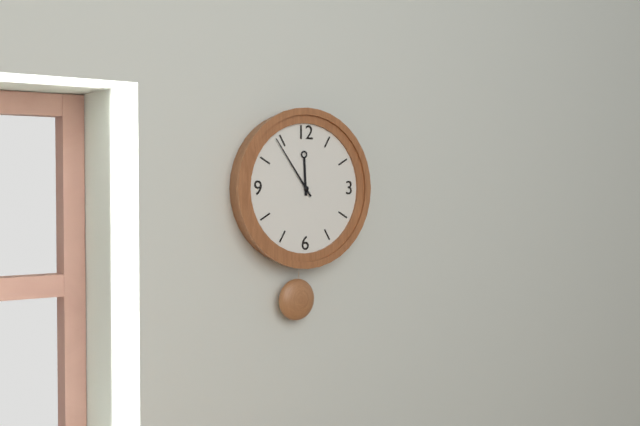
11:54
